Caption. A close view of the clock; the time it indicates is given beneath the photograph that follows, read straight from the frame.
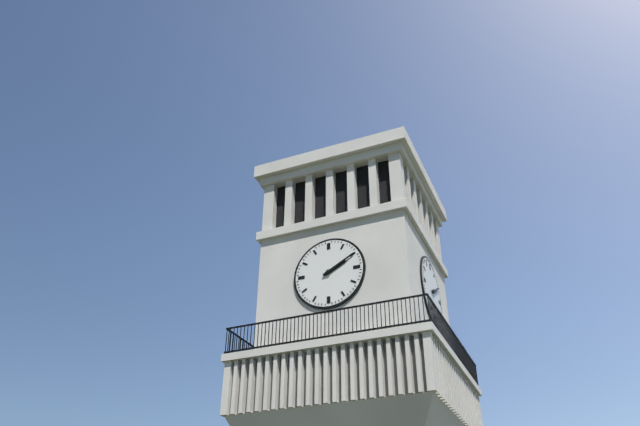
2:10
